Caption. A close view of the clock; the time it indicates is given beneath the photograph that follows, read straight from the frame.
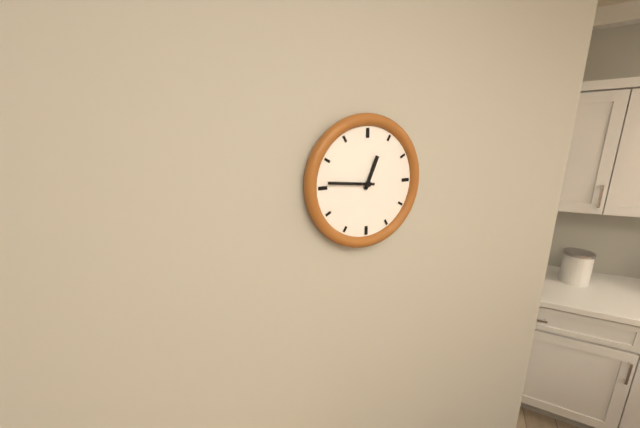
12:46
